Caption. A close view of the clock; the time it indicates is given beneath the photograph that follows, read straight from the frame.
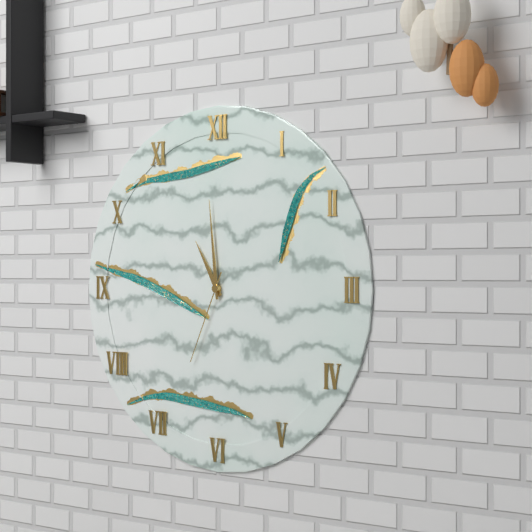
10:59:34
